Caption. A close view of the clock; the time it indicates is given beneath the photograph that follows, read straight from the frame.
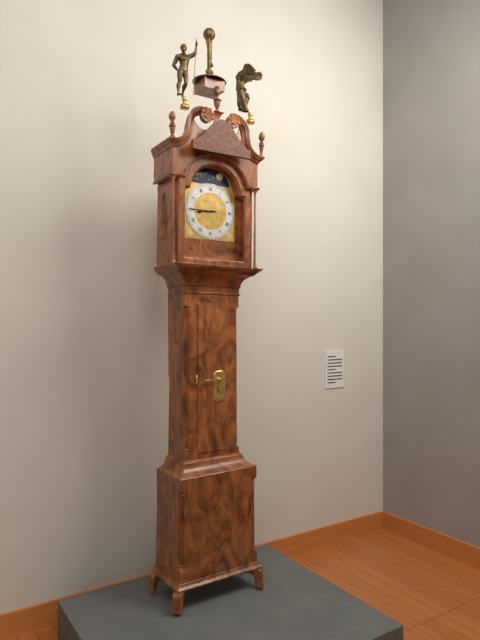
8:45
